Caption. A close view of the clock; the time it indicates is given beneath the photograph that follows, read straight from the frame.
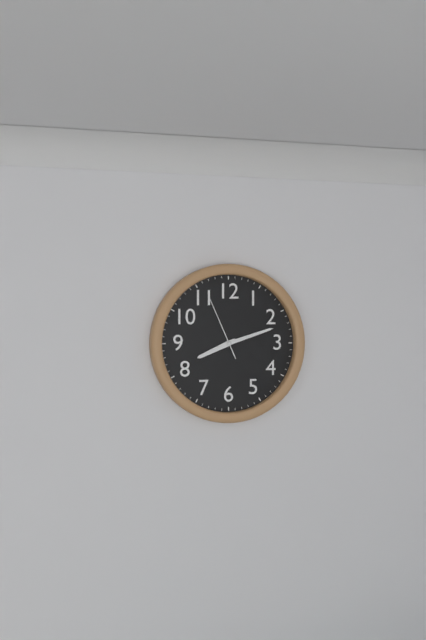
8:12:56
